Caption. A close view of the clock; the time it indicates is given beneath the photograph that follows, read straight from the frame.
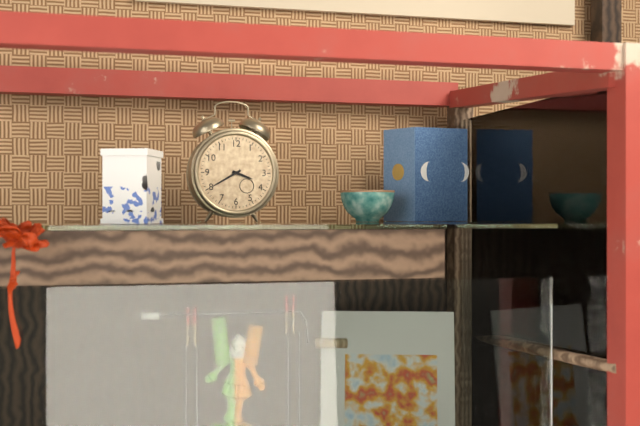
3:40
